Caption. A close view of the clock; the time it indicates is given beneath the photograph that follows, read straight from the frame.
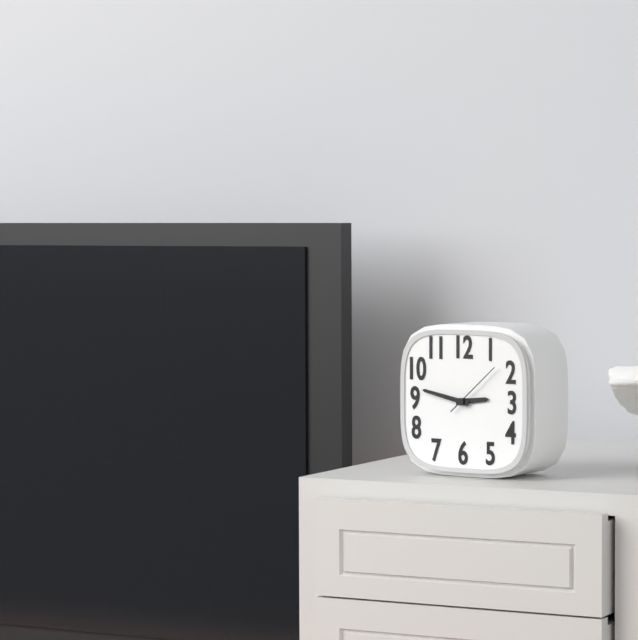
2:47:08
